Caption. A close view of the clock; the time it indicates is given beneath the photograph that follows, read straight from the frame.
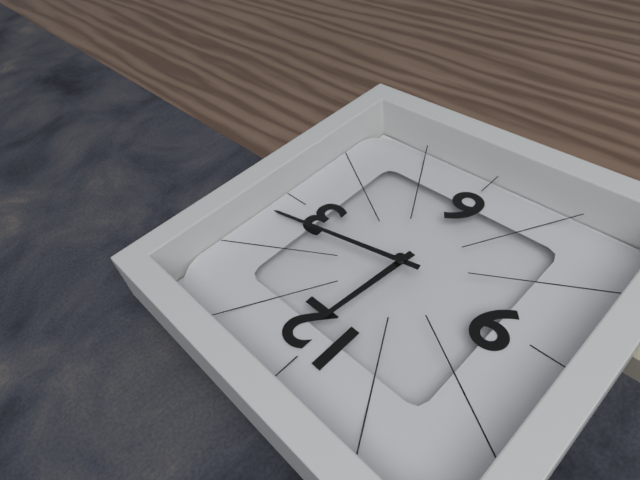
12:13
